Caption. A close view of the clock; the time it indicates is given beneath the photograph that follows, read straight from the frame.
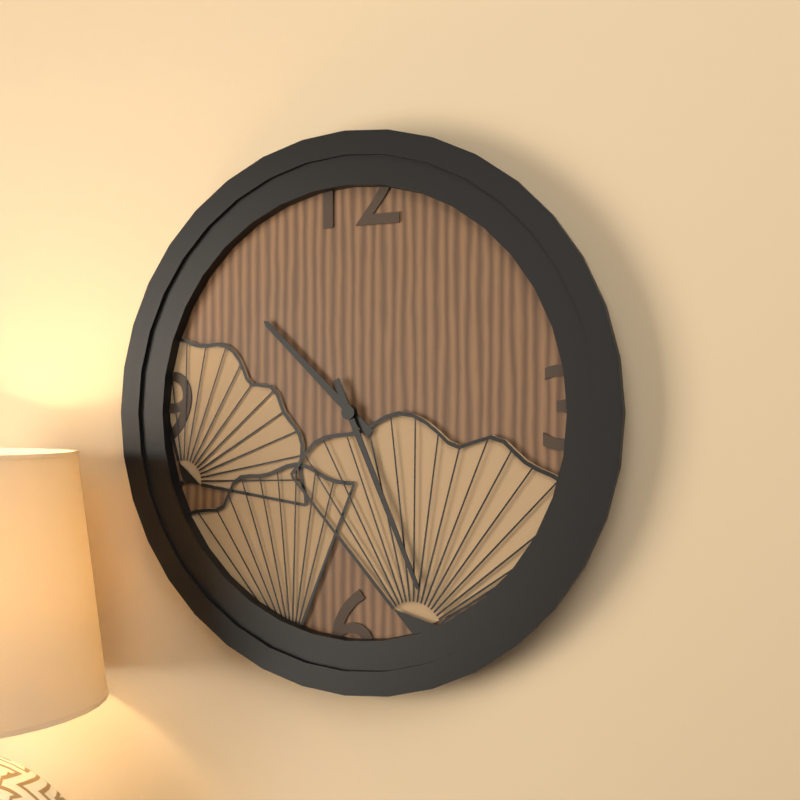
10:26
